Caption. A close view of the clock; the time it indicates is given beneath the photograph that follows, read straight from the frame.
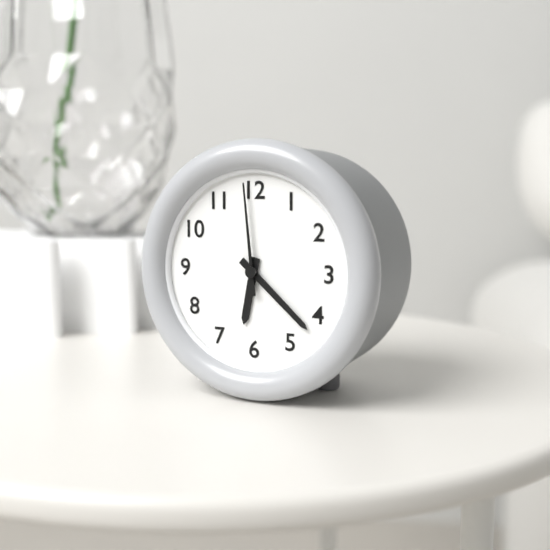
6:22:59
